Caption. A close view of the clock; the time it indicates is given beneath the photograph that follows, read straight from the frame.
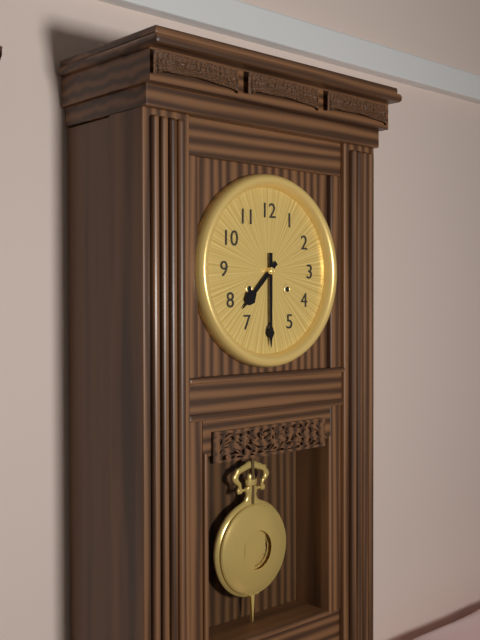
7:30
